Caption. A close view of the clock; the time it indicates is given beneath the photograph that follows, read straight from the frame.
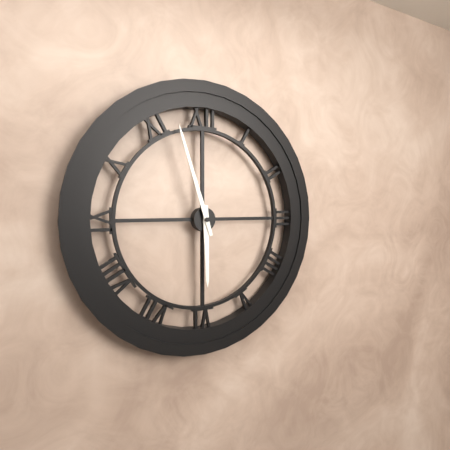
5:57
